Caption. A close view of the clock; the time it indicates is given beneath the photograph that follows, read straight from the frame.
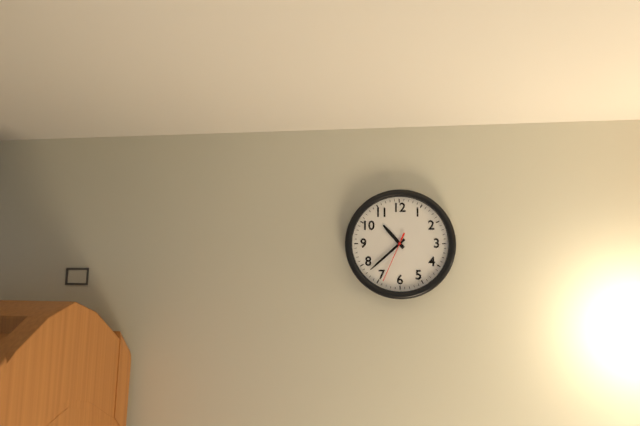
10:38:34
